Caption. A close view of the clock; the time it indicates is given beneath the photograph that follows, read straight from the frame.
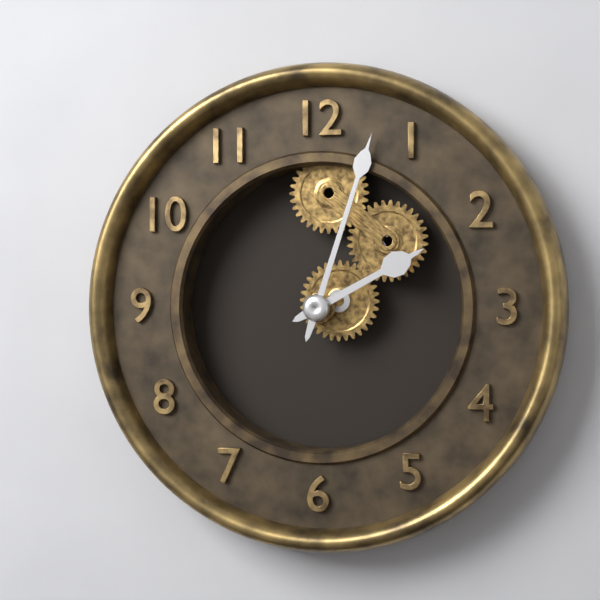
2:03
